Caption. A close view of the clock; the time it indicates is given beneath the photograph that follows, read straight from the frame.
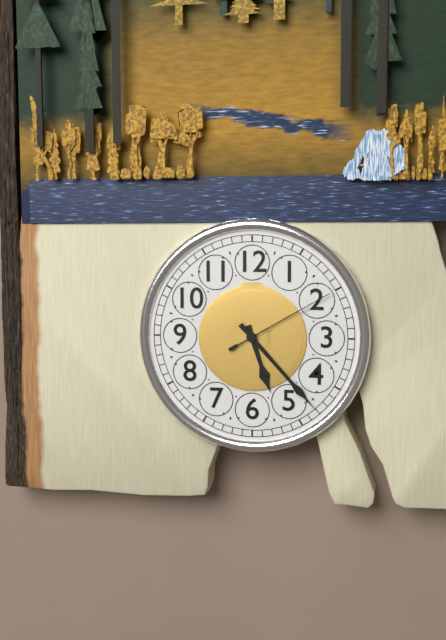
5:23:10
